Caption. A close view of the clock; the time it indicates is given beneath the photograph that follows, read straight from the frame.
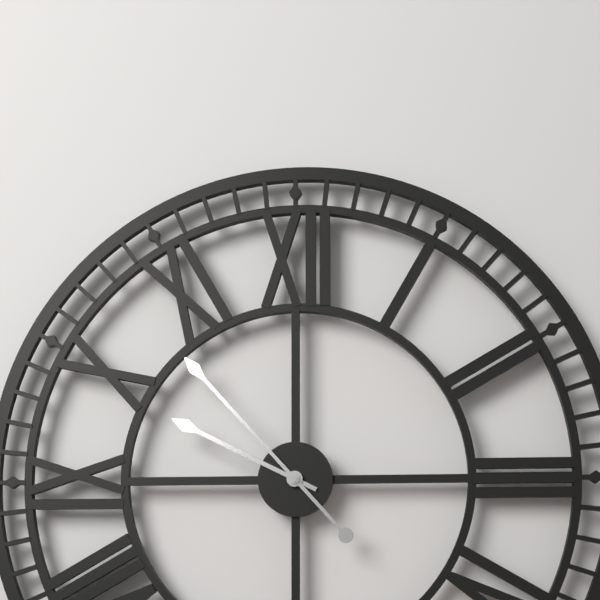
9:53
